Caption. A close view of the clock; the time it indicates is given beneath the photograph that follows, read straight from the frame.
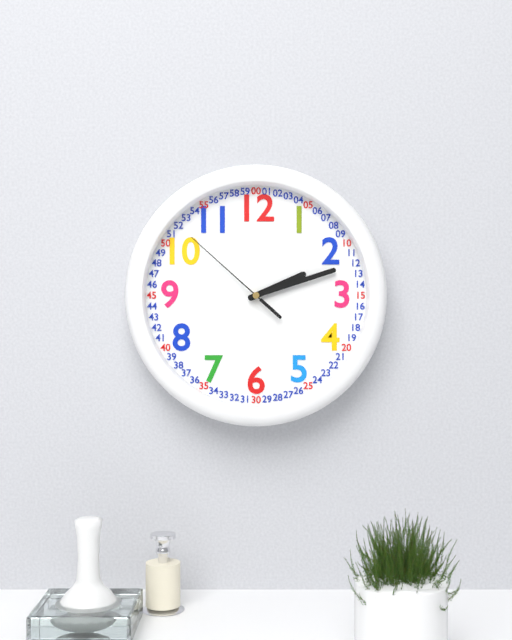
2:12:52
